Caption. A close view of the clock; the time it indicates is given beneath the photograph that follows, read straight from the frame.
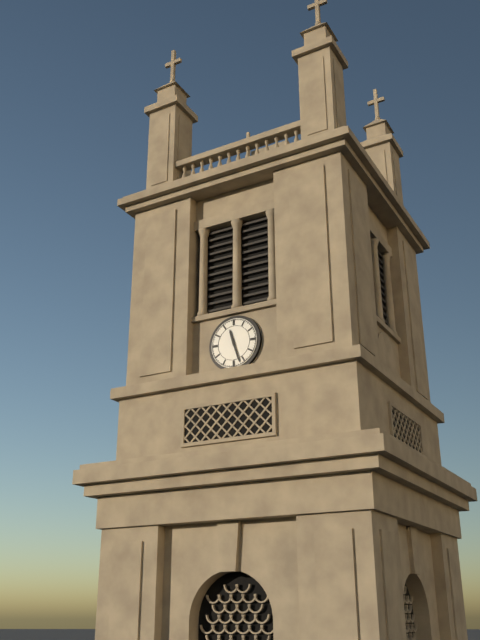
11:27
